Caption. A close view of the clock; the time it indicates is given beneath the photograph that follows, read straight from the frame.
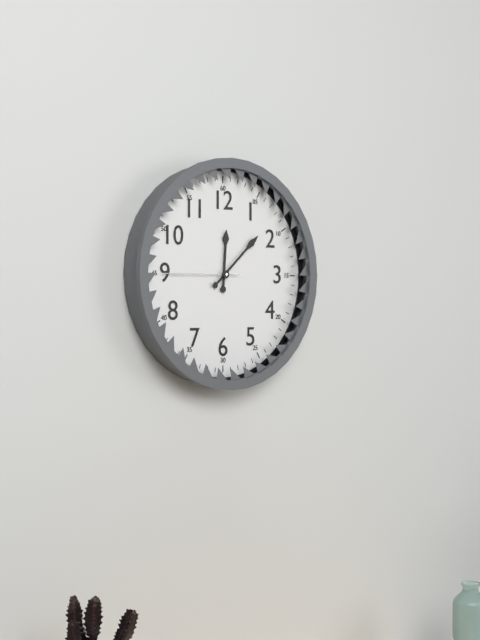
12:08:45
